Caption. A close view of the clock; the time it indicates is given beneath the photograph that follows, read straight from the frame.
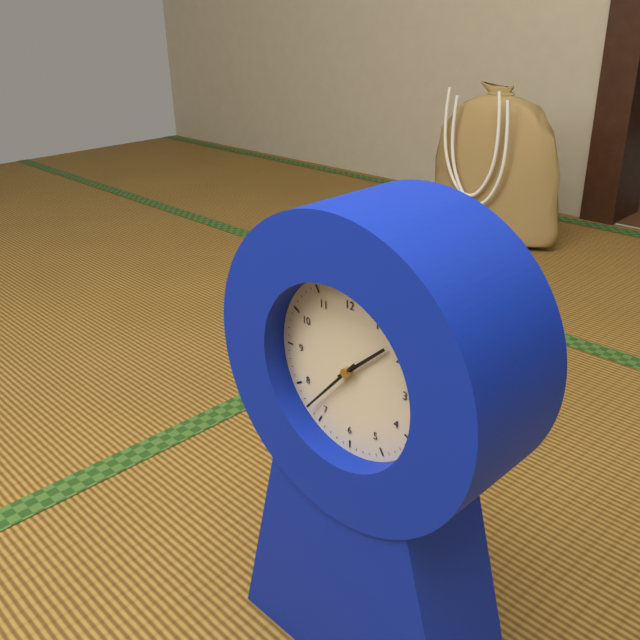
1:37
